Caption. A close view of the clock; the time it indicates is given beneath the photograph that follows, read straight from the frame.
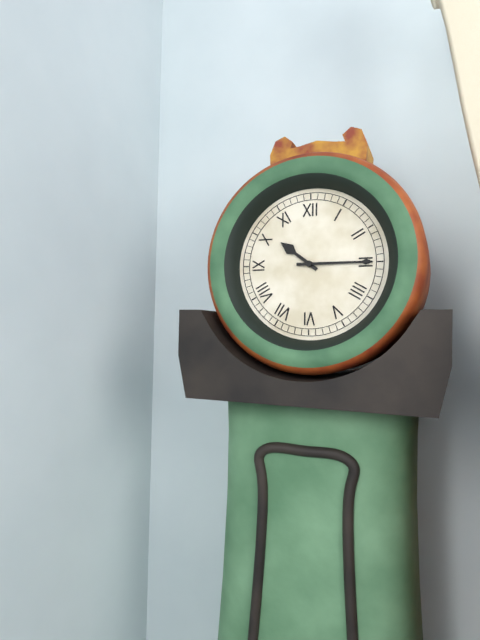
10:15
